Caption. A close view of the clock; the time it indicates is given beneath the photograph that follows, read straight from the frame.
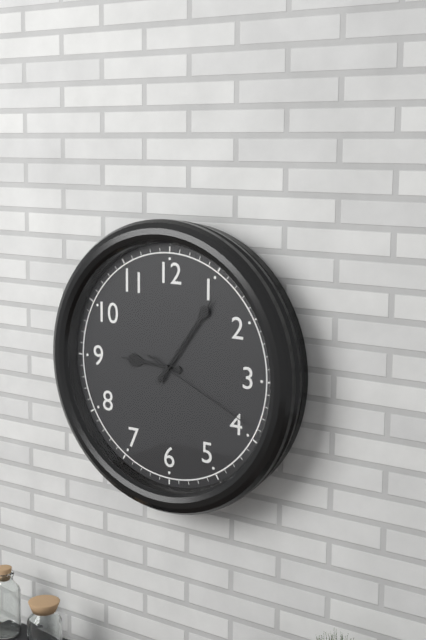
9:06:19
